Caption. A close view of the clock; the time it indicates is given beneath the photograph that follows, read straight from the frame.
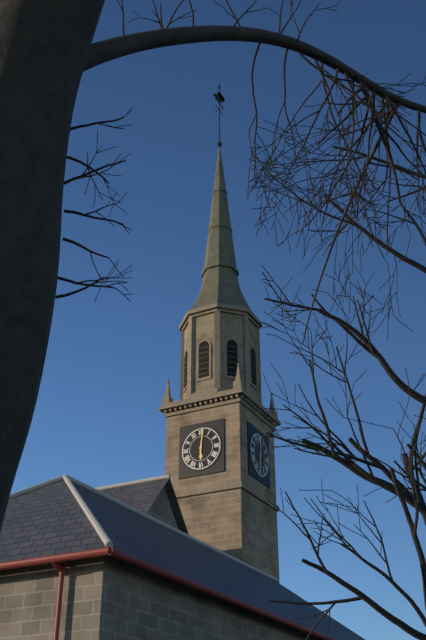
6:01
